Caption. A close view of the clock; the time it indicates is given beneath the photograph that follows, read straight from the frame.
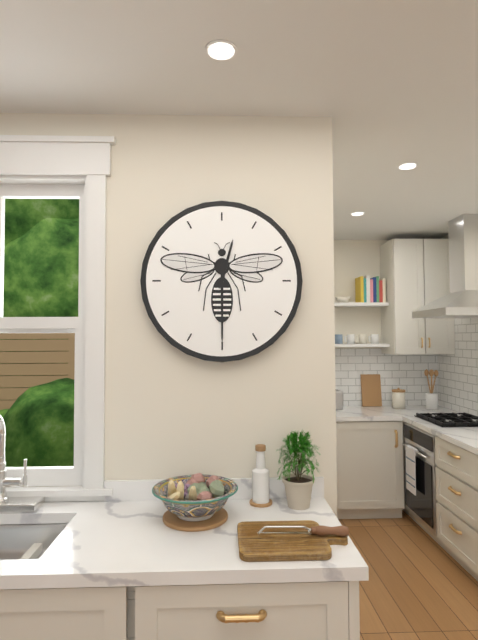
12:30
